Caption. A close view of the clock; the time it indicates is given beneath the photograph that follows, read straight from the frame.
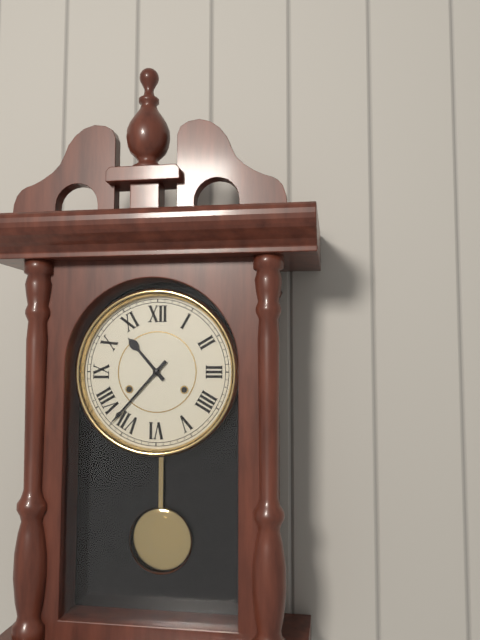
10:37
